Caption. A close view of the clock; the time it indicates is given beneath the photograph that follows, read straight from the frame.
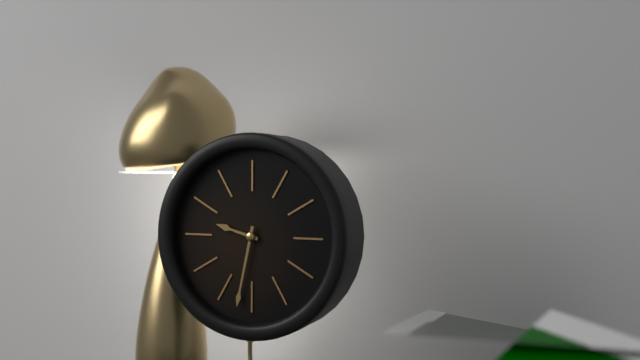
9:32
